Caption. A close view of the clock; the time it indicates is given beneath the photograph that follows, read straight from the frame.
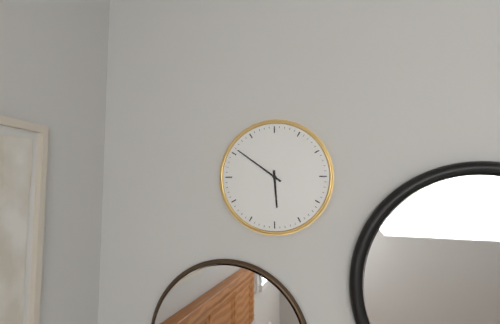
5:51
